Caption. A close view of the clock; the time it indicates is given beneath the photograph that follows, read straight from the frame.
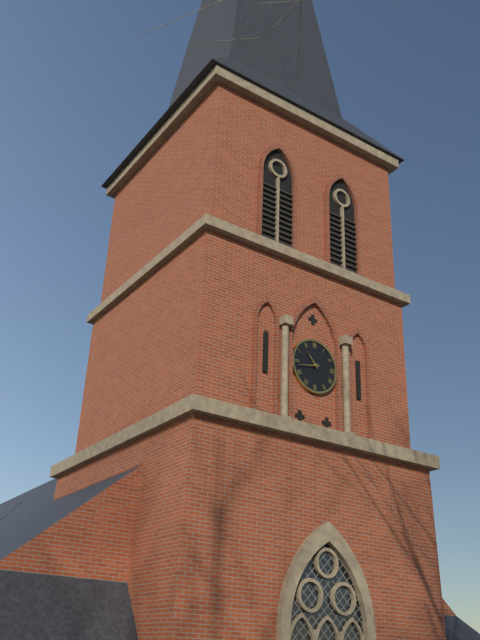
10:43
